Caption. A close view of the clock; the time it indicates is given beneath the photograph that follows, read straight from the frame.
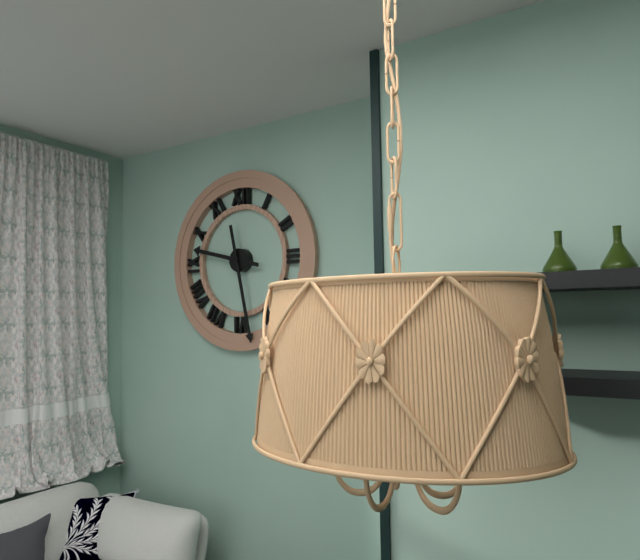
9:28
